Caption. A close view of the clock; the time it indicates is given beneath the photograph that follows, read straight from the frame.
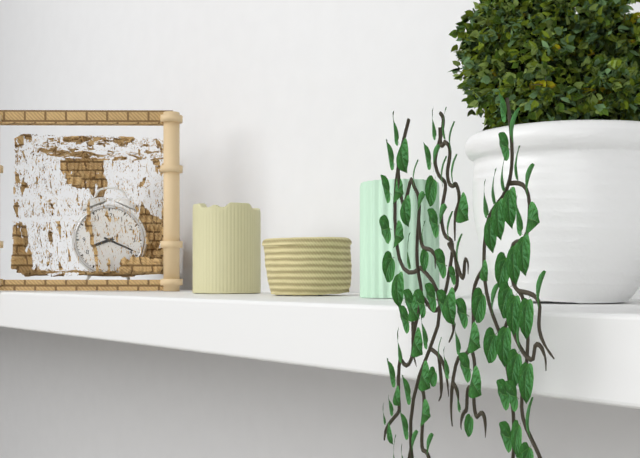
8:19
